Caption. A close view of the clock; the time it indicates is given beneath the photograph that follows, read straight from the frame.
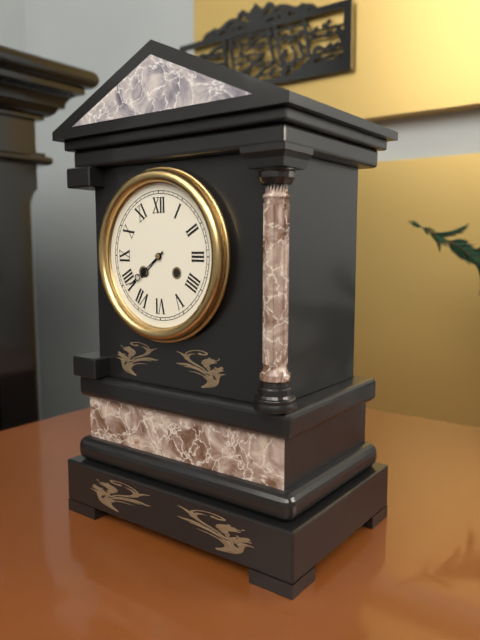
7:39
